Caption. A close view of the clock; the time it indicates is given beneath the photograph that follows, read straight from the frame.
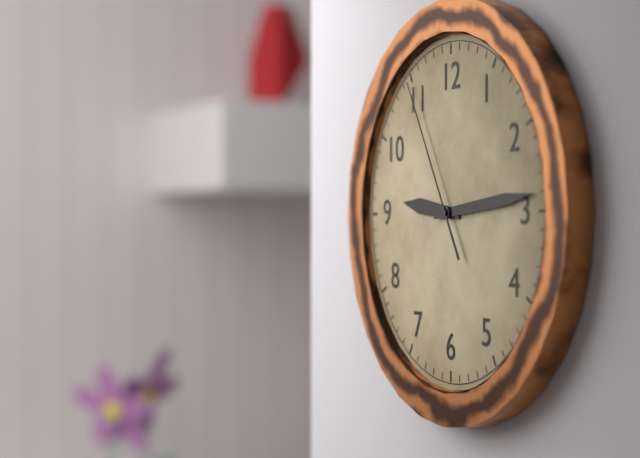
9:14:55
